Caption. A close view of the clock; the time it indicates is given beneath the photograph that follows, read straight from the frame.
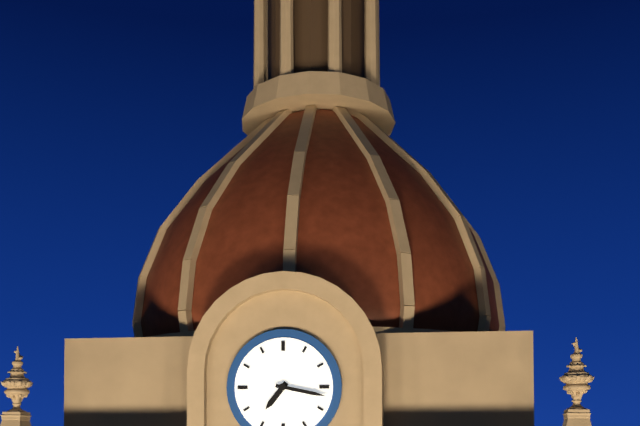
7:17
